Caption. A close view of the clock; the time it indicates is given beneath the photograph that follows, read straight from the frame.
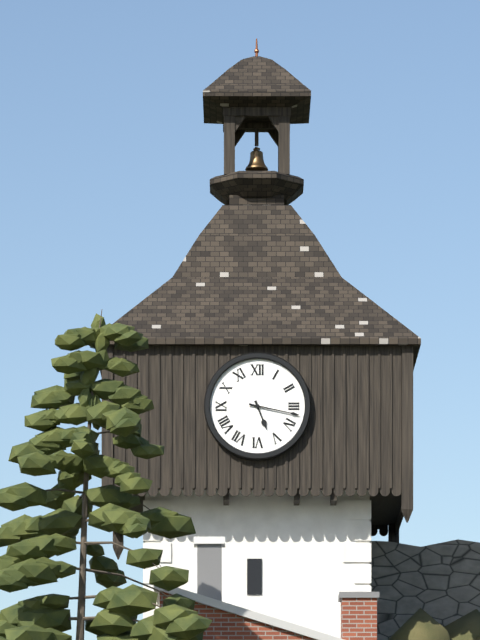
5:17
